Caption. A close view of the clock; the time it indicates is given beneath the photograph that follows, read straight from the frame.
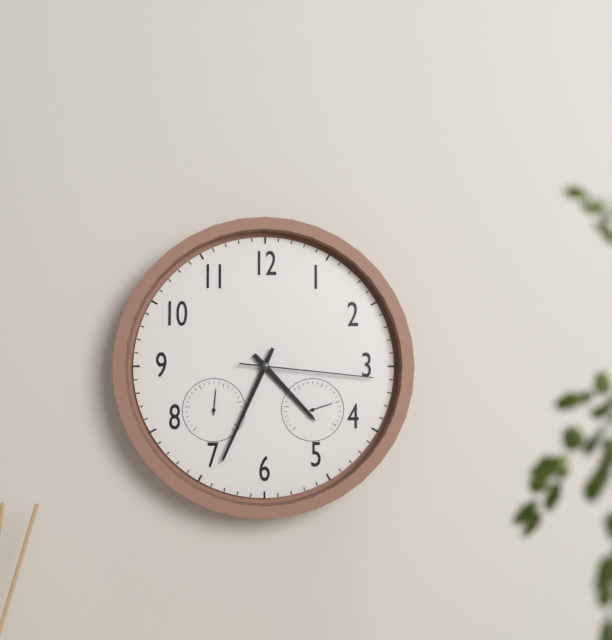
4:34:16
